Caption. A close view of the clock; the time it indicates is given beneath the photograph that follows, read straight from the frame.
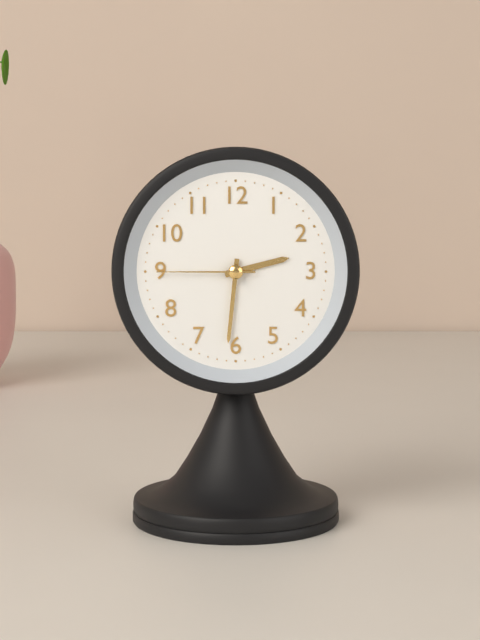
2:31:45
